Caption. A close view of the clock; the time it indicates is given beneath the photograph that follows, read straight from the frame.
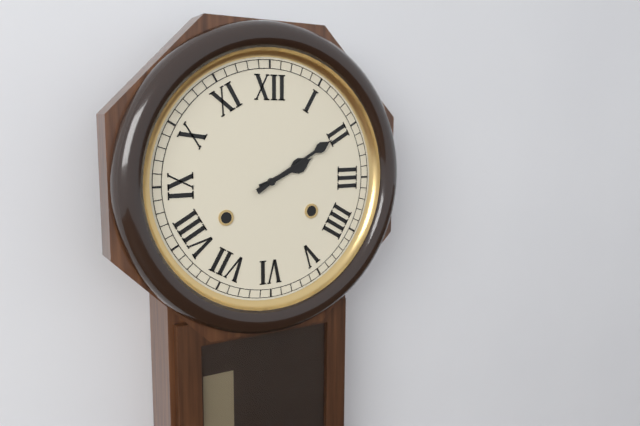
2:10
